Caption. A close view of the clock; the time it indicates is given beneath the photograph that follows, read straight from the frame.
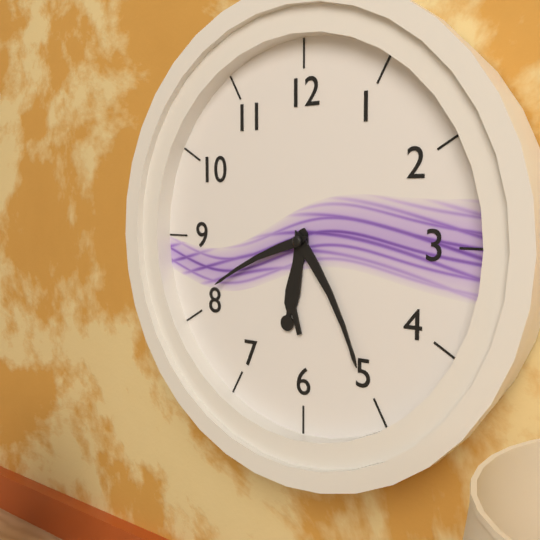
6:25:41
